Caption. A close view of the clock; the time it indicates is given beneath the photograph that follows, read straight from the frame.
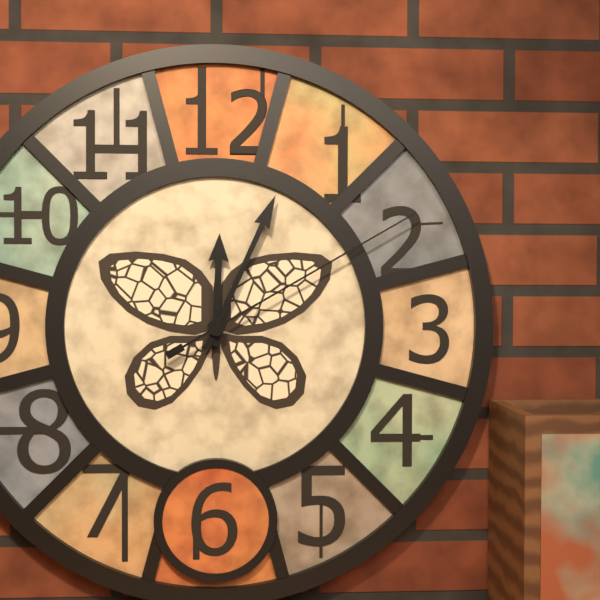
12:04:10
